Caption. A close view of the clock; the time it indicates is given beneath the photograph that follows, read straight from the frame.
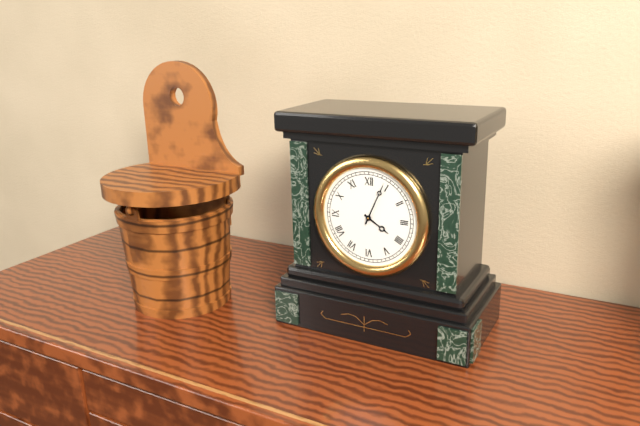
4:04
